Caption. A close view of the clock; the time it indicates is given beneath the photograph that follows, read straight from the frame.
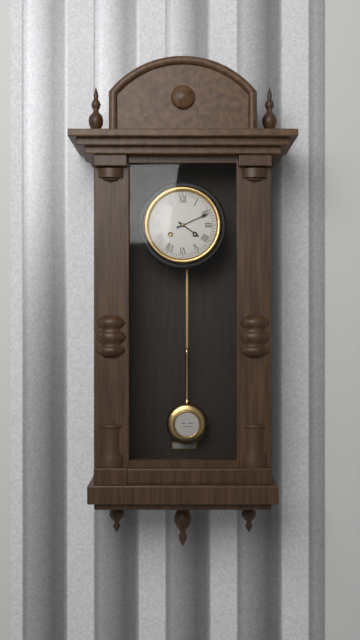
4:11
